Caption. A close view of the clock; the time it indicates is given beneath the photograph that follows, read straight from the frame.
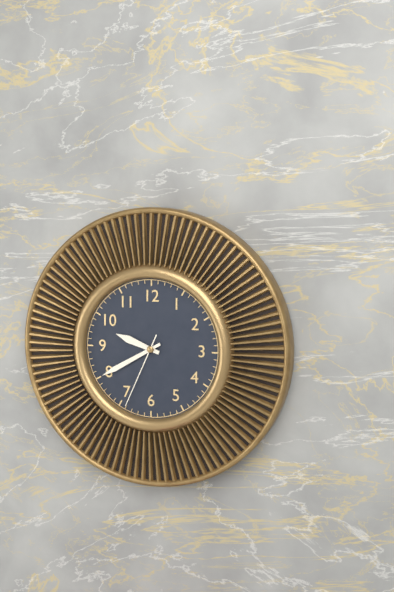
9:40:34
